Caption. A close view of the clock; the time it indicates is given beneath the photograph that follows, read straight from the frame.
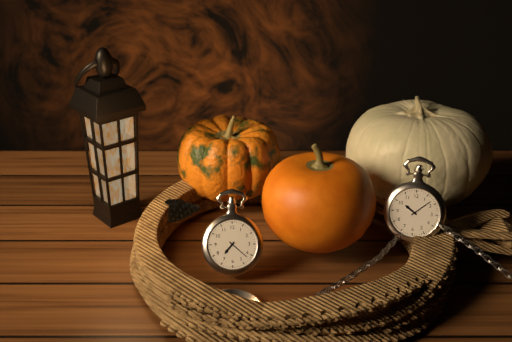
7:22
